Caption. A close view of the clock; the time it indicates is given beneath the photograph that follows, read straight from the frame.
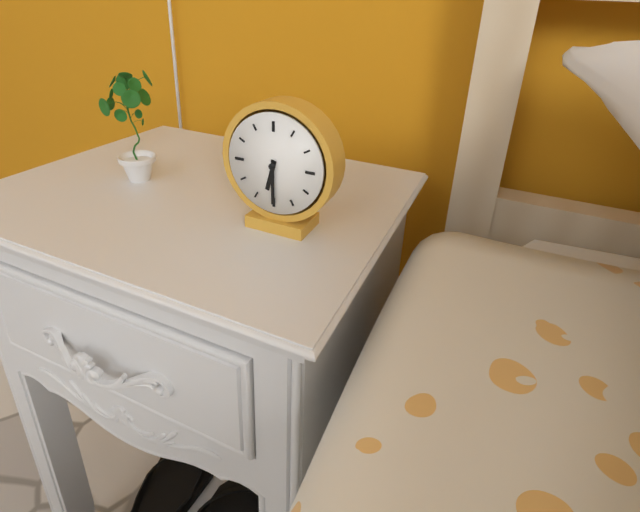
6:30
